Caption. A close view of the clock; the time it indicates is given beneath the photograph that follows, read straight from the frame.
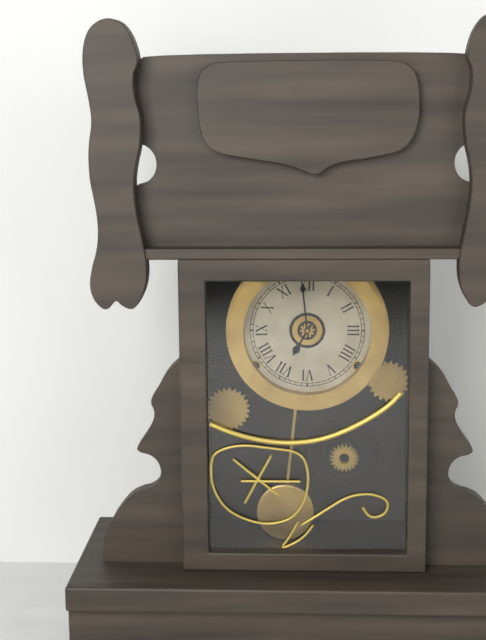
6:59
